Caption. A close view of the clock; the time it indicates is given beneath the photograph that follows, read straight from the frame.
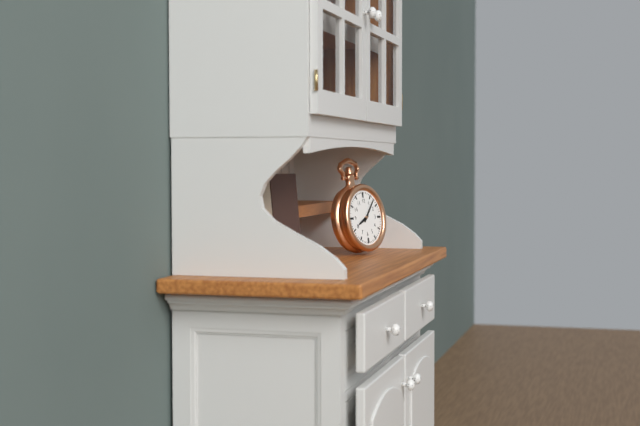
8:07
